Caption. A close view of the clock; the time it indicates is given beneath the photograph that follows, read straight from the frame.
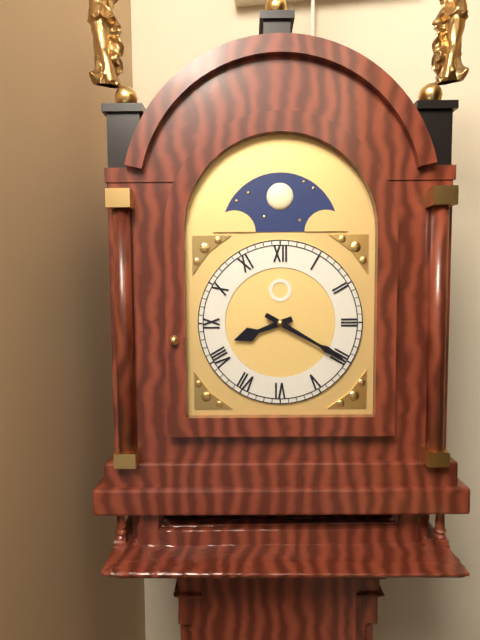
8:20
